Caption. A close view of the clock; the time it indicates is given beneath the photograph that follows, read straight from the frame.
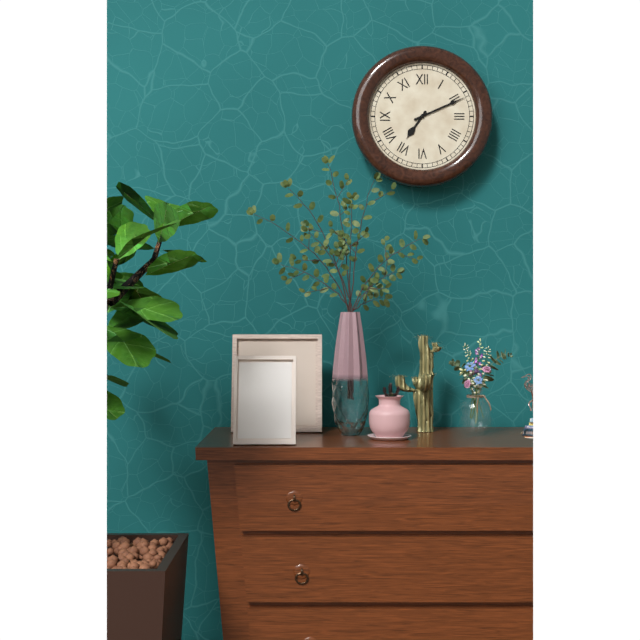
7:11
